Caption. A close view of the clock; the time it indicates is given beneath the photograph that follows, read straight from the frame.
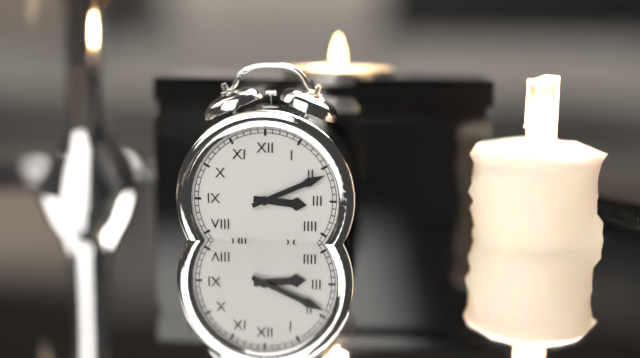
3:11
